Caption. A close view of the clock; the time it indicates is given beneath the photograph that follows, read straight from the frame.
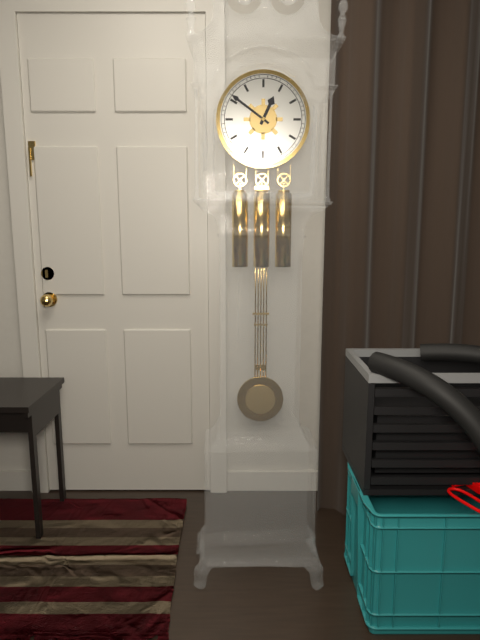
12:51
